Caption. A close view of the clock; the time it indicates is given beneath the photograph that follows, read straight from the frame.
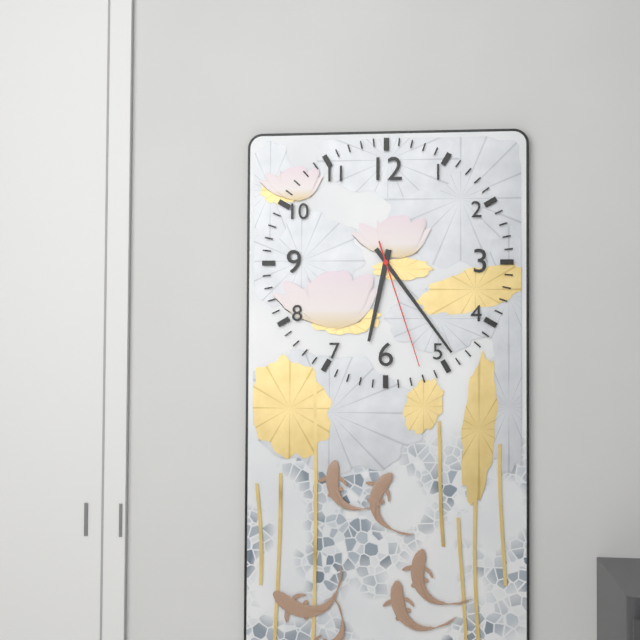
6:24:27
